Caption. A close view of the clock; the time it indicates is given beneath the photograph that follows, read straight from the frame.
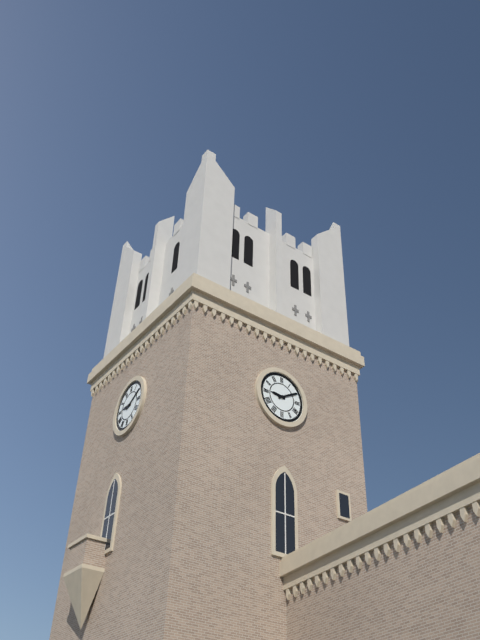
9:10
